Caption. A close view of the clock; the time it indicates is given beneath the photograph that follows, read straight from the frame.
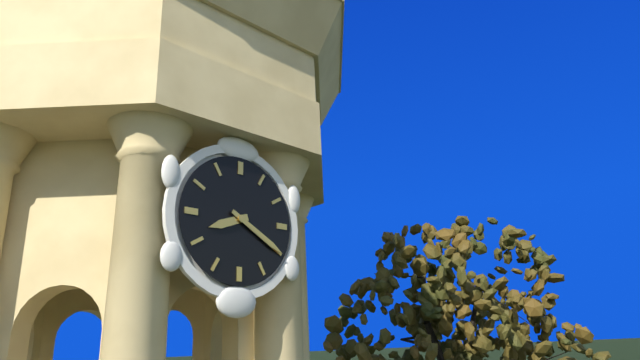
8:20
